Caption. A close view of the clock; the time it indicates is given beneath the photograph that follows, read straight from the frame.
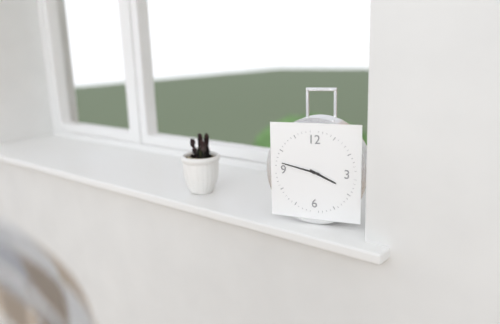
3:47
